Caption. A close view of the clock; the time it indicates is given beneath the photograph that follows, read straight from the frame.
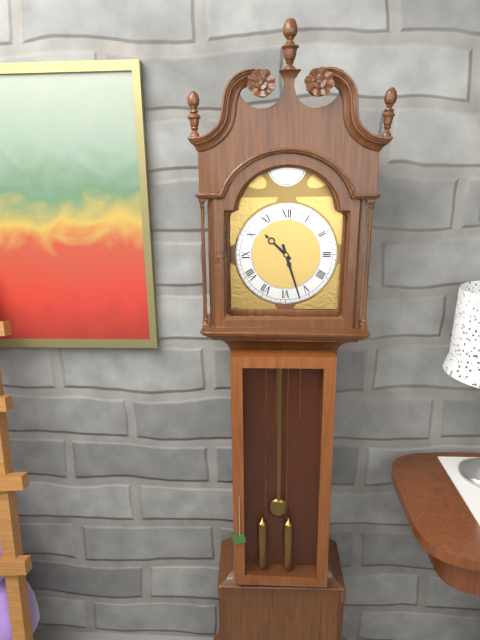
10:27
